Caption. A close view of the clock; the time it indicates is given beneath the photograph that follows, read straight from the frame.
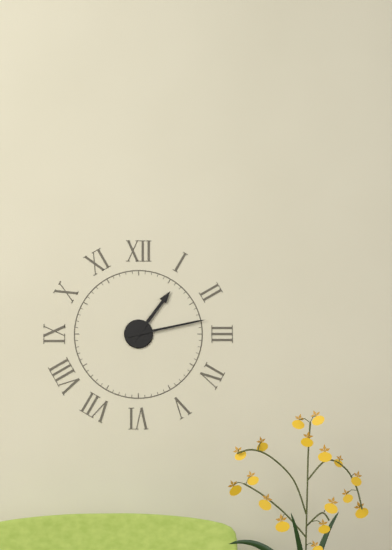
1:13
